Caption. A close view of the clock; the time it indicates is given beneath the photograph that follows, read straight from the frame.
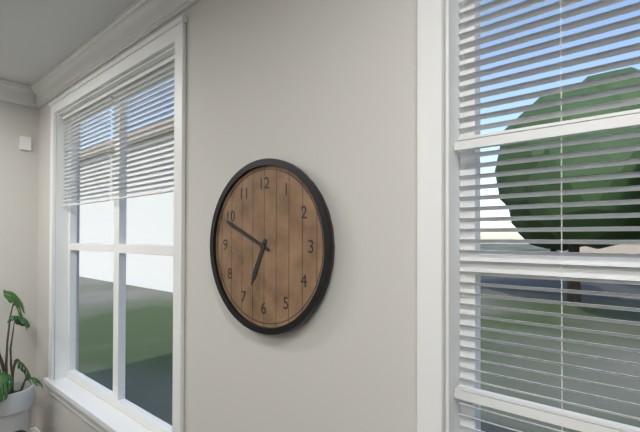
6:49
